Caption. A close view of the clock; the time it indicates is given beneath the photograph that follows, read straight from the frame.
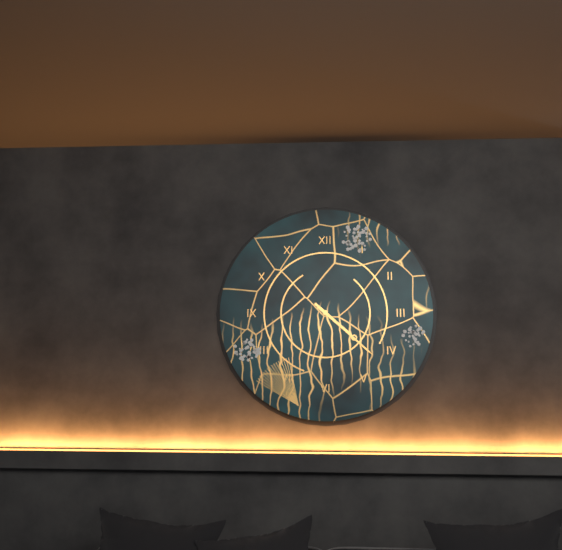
4:22
